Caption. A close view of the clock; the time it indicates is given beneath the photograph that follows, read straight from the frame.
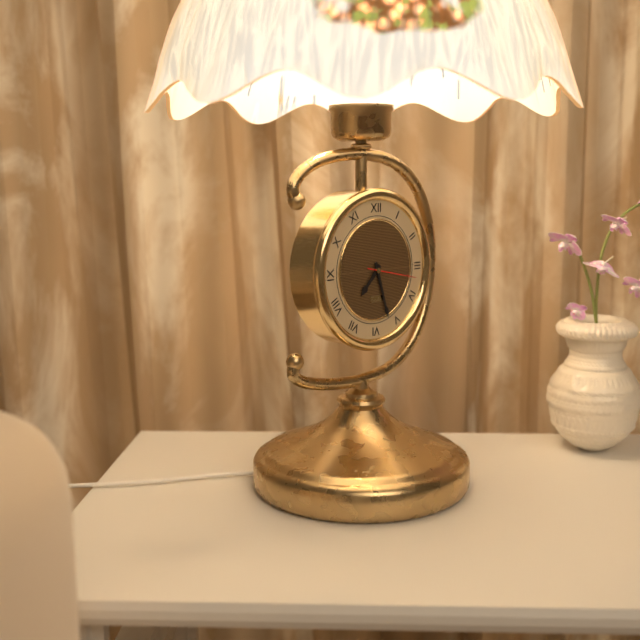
7:27
